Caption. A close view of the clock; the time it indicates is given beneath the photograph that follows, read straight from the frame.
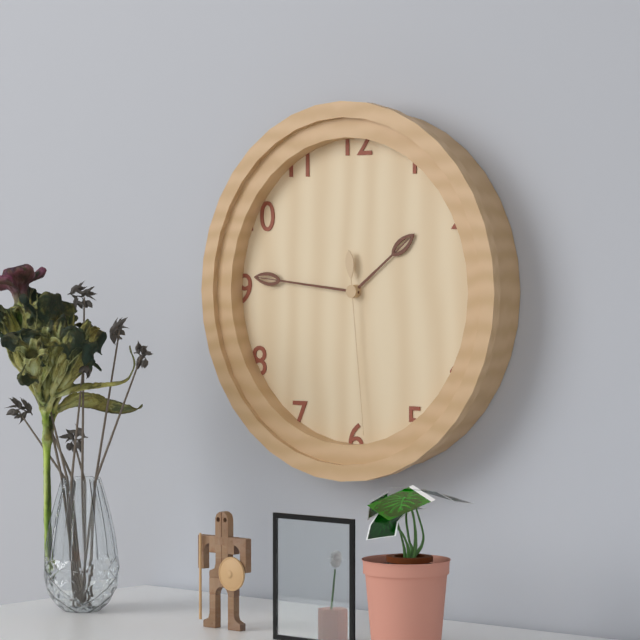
1:46:29
